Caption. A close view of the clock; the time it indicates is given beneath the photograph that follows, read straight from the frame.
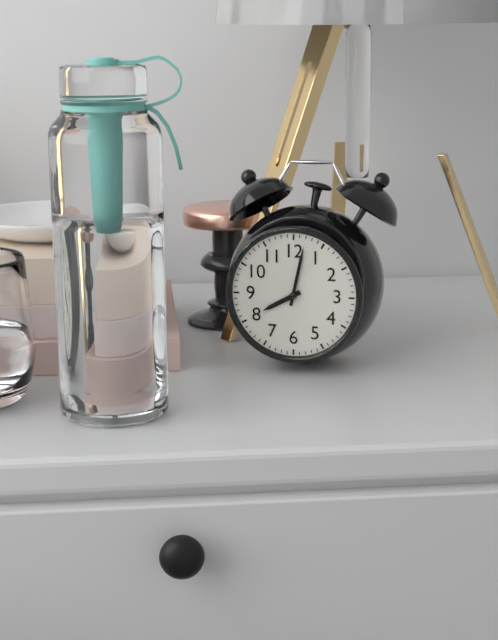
8:02
